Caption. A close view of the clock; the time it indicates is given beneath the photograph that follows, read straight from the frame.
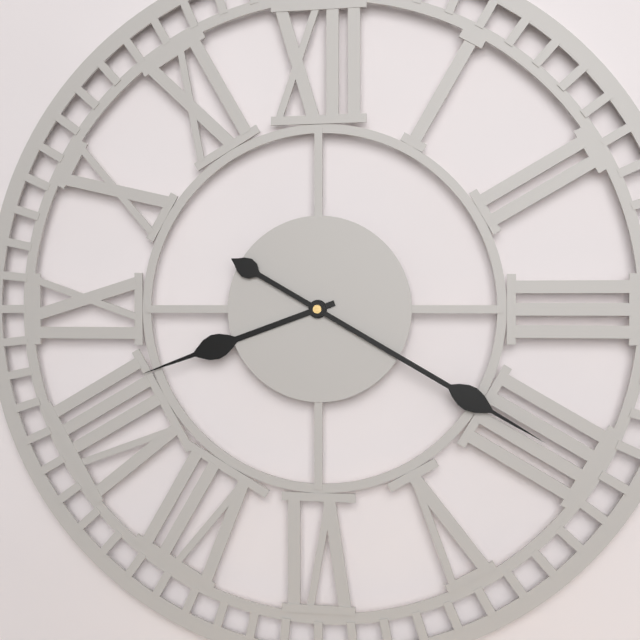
8:20
